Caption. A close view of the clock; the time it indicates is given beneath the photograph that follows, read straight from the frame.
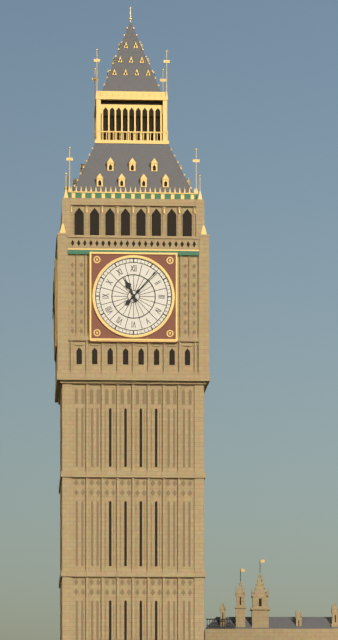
11:07
